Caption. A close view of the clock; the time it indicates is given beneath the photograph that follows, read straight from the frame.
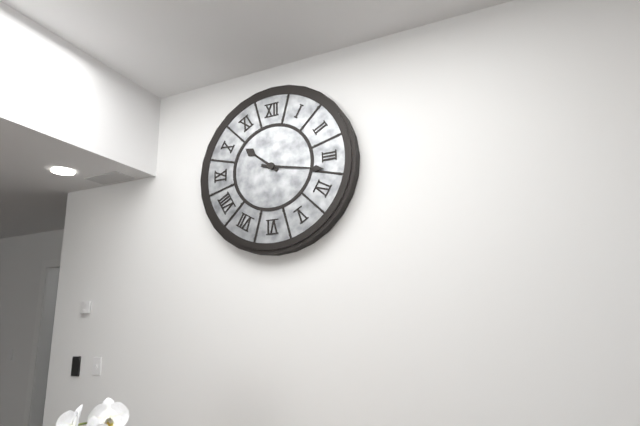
10:17
